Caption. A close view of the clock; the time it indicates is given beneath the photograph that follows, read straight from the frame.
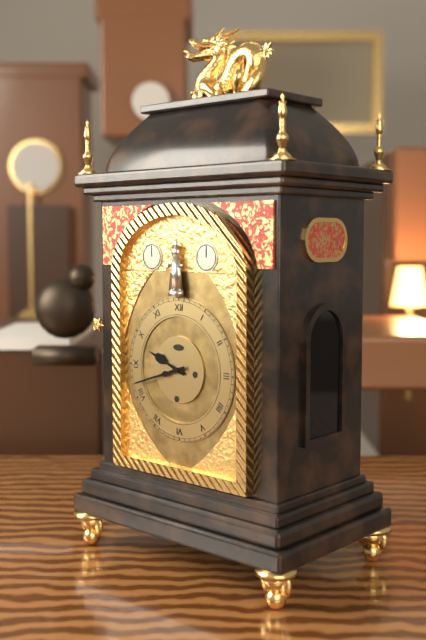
9:42
